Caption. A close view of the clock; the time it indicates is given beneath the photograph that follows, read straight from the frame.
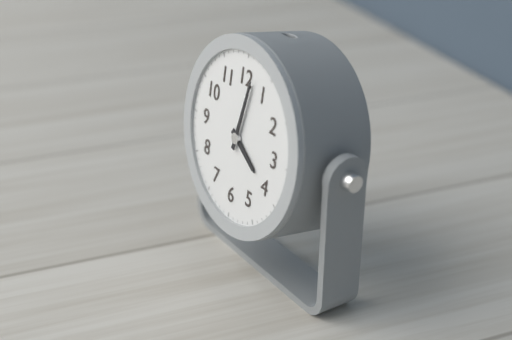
4:02
